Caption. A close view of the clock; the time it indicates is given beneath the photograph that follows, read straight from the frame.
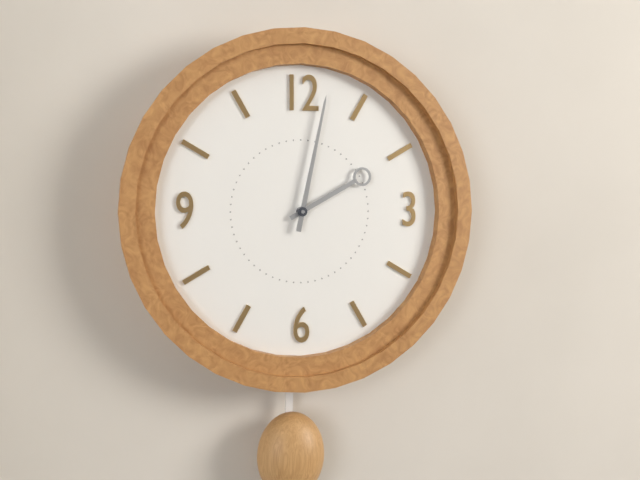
2:02
